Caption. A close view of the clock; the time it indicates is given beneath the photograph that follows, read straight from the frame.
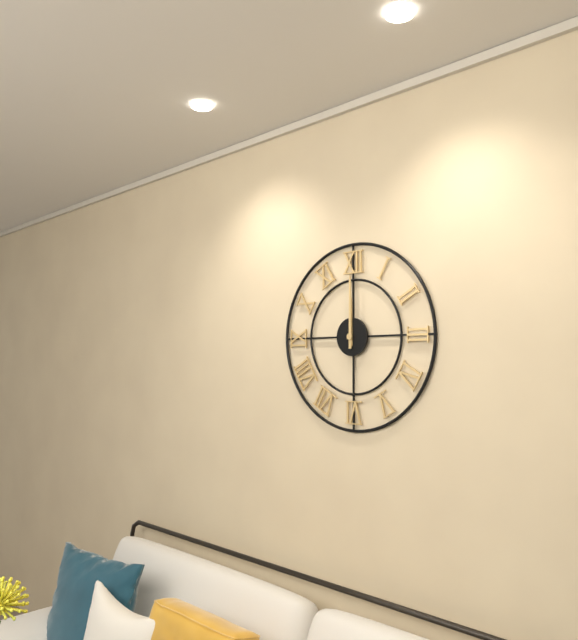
12:00
